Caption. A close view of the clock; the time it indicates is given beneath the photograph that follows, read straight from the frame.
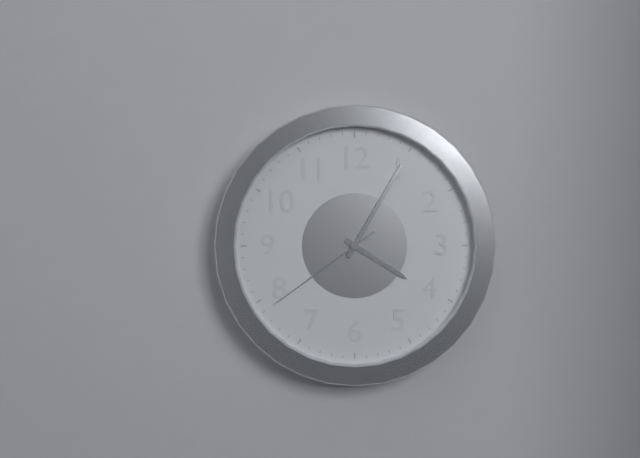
4:05:39
